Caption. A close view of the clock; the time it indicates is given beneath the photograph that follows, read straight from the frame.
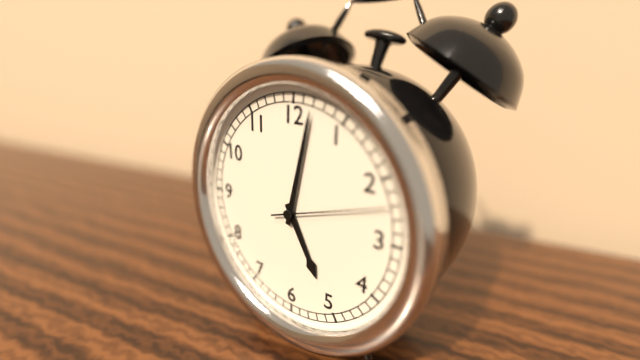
5:02:12
